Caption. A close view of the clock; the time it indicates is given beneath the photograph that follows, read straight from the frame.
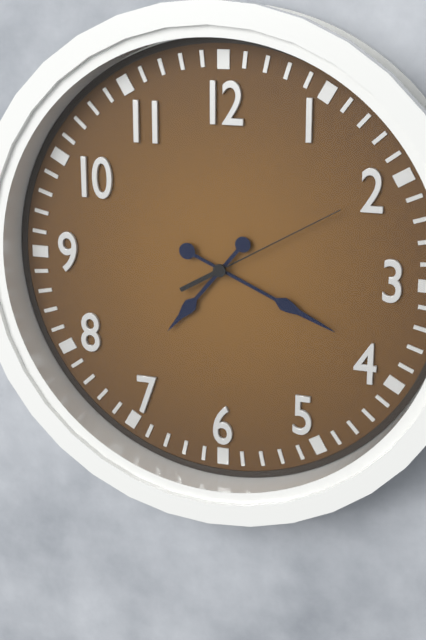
7:19:10
